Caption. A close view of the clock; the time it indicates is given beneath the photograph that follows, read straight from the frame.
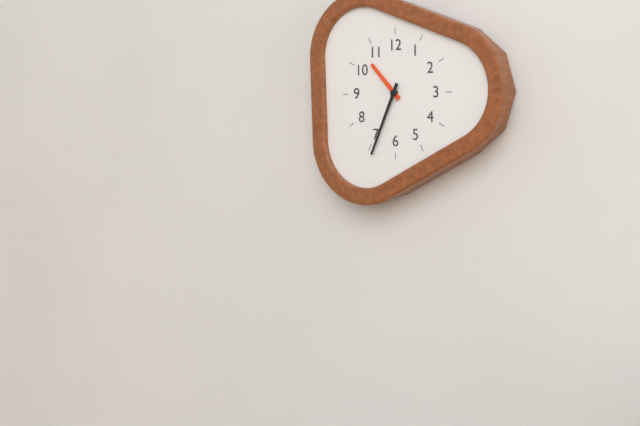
10:34
